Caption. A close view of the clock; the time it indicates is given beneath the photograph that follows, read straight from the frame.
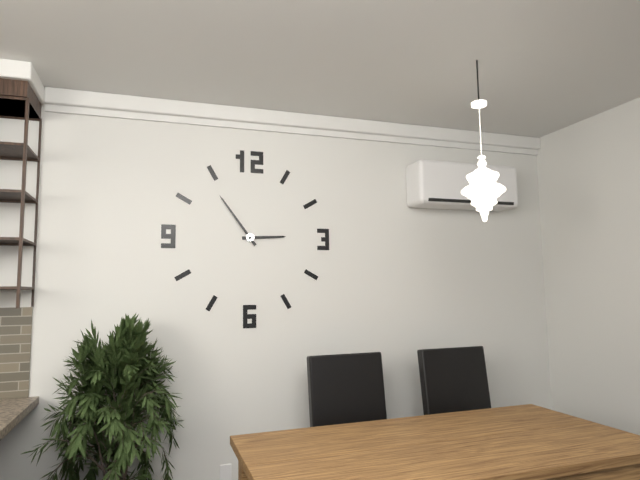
2:54
